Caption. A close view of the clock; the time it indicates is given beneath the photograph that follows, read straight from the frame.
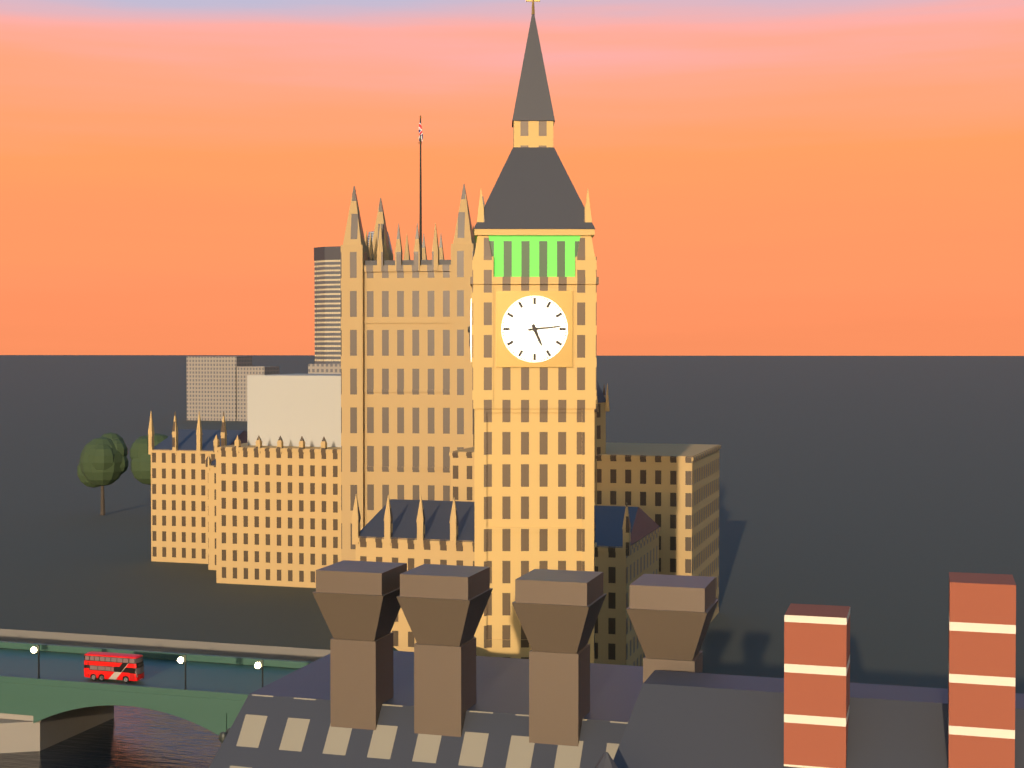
5:14
